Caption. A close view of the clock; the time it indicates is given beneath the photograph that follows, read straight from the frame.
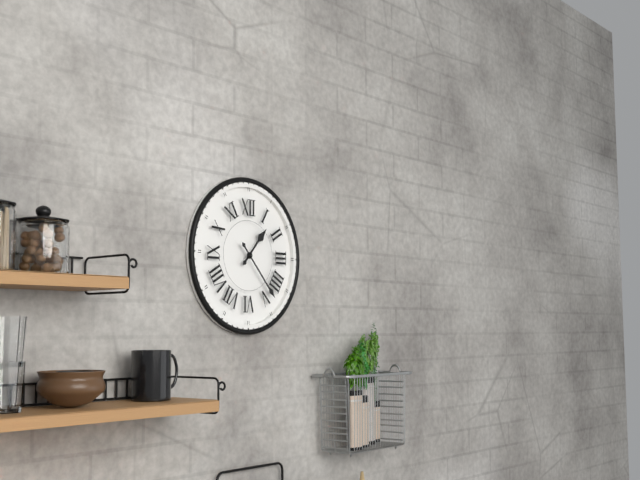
1:23
